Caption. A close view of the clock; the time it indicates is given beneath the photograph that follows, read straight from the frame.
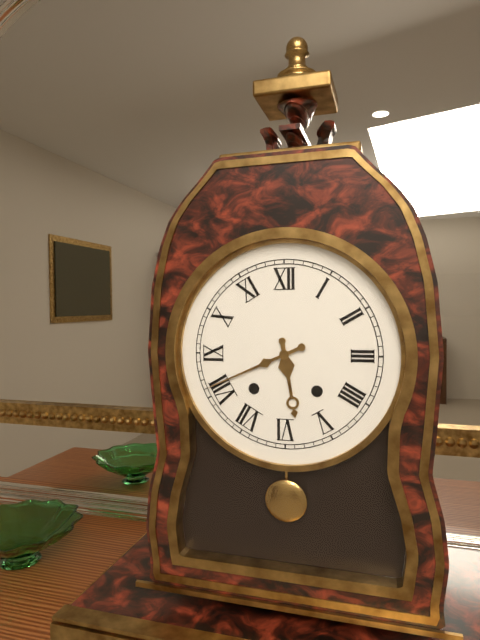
5:41
